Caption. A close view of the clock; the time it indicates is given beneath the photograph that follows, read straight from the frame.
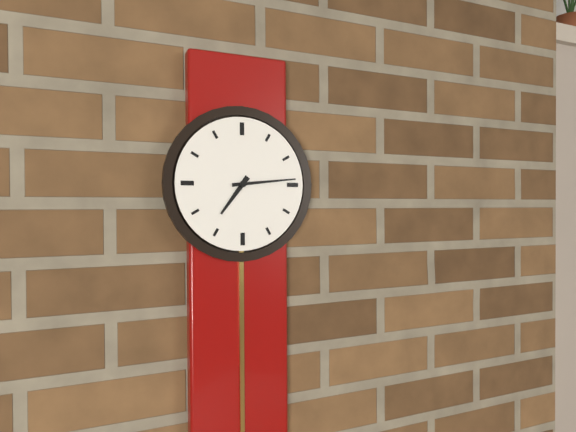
7:14
